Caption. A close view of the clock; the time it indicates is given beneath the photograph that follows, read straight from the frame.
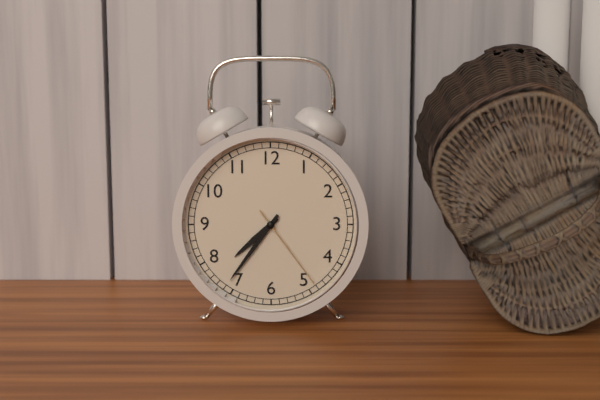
7:36:24
